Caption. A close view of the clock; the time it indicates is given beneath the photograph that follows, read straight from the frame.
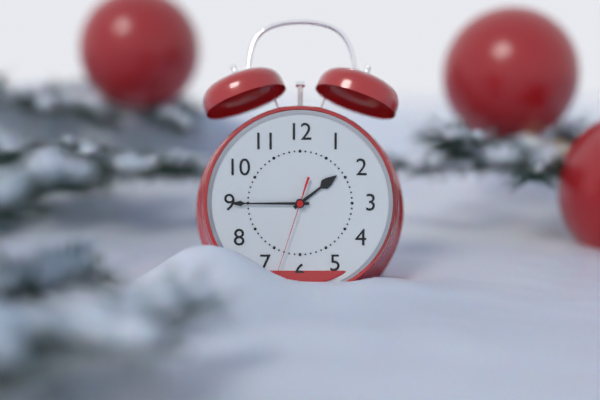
1:45:33
